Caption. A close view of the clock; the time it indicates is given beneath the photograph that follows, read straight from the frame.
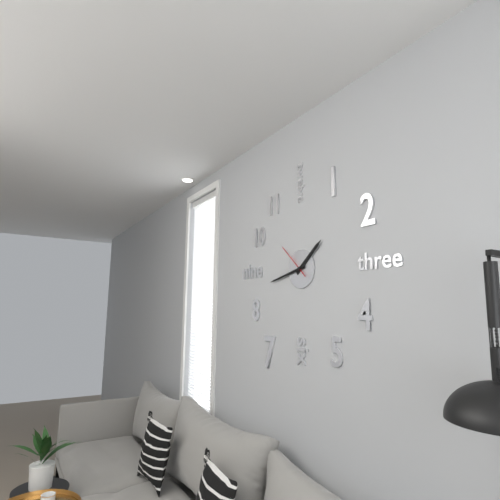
1:43
